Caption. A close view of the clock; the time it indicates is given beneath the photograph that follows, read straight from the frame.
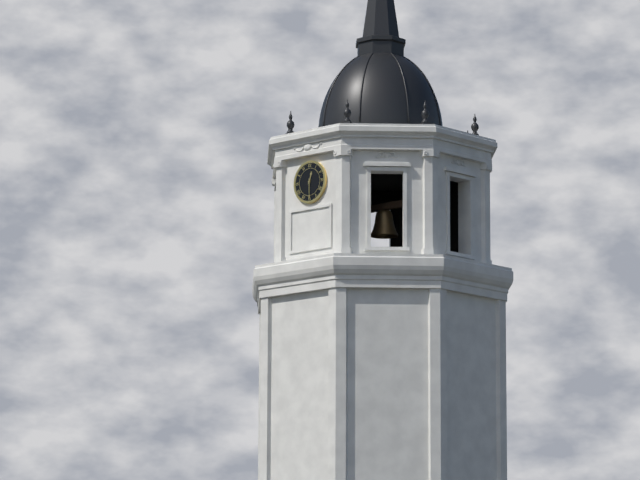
12:30
